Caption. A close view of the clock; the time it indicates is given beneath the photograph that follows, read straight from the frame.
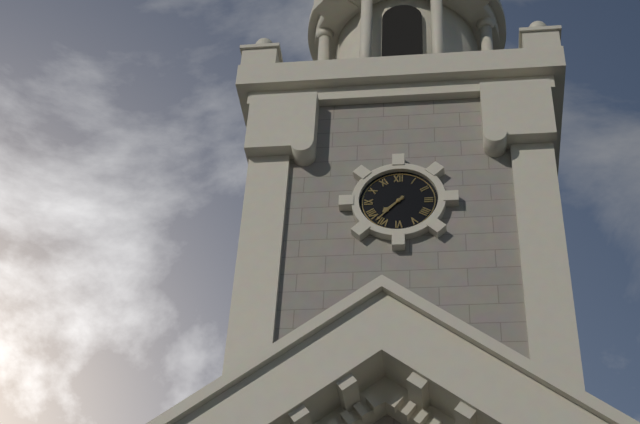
7:37
